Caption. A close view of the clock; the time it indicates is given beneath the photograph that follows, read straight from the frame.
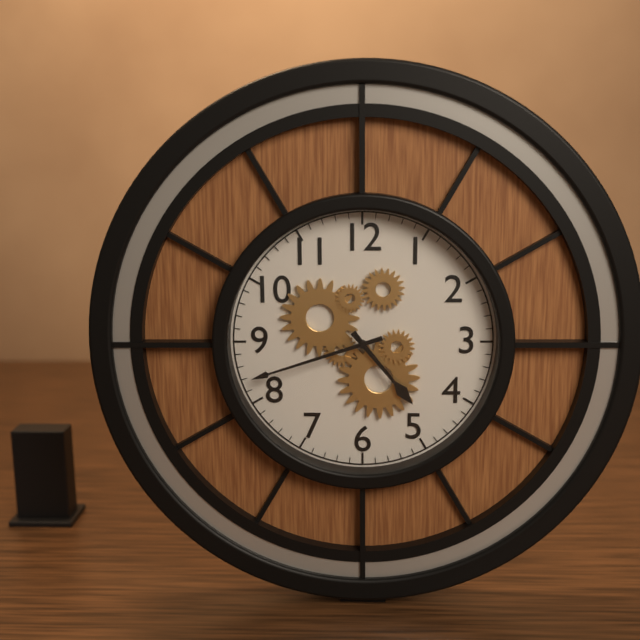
4:42
